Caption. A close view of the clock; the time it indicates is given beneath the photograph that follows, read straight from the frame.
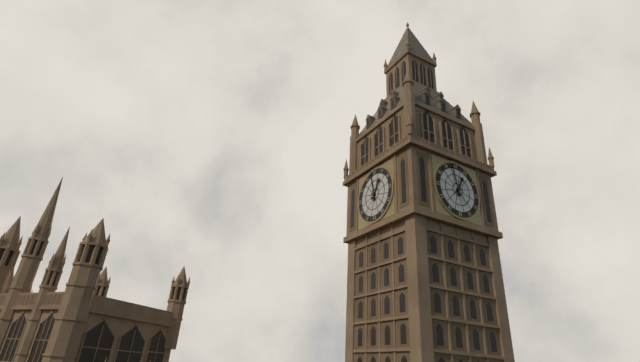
12:58
